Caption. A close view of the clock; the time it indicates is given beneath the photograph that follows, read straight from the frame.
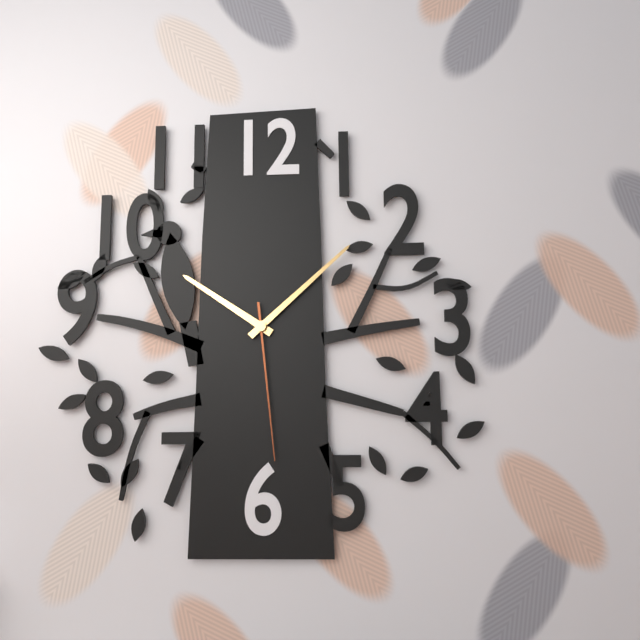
10:08:29
